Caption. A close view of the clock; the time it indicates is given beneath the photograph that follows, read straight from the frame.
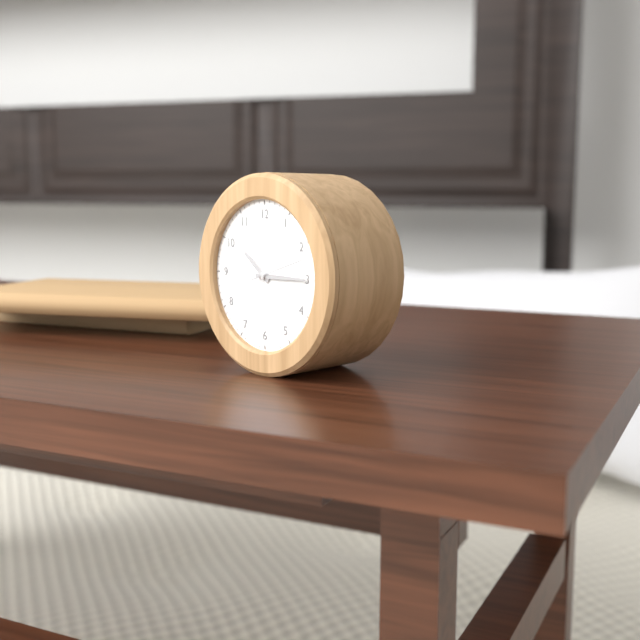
10:15:12
